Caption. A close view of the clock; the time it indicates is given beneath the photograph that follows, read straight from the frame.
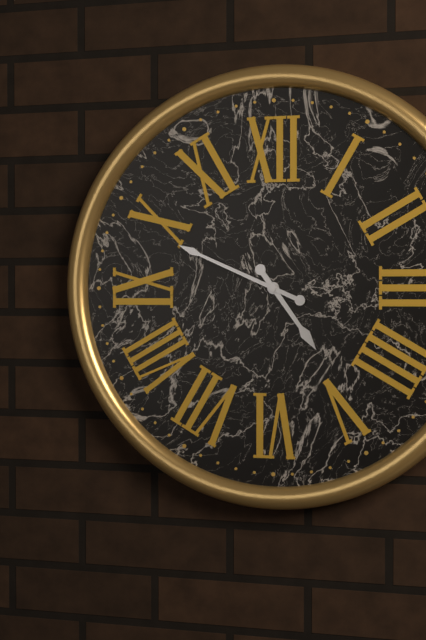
4:49
